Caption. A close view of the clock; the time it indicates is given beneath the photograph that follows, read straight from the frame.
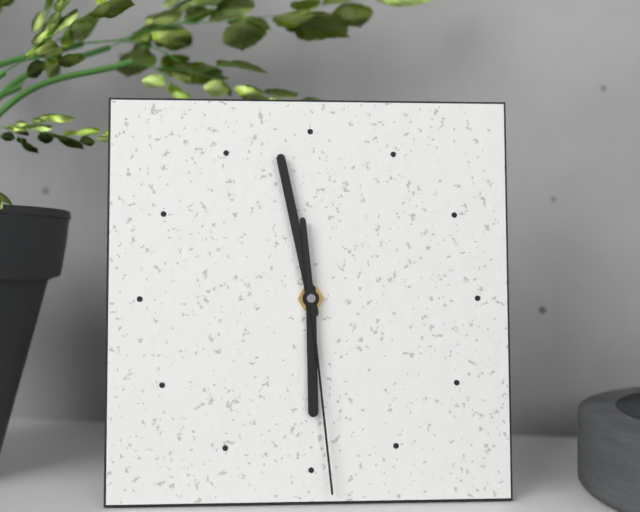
5:58:29
